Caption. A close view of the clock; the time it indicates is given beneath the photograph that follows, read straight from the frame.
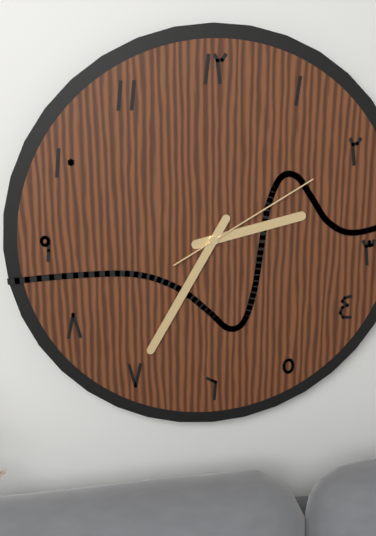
2:35:10
